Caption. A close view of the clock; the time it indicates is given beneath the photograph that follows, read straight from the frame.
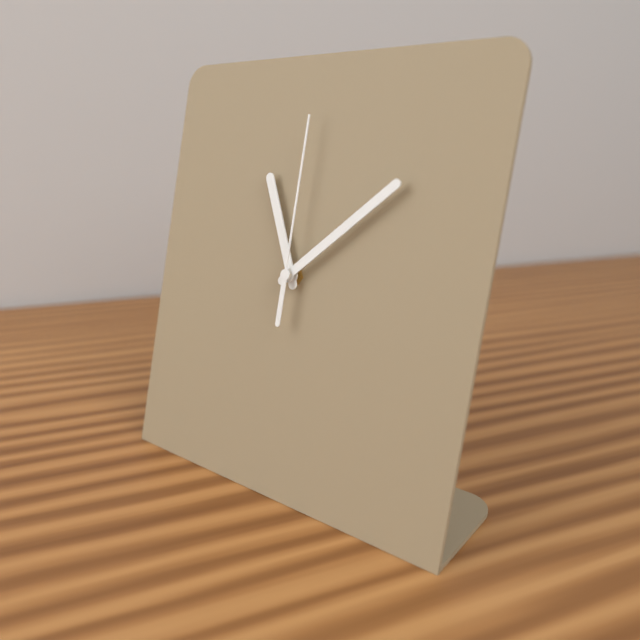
11:08:00
